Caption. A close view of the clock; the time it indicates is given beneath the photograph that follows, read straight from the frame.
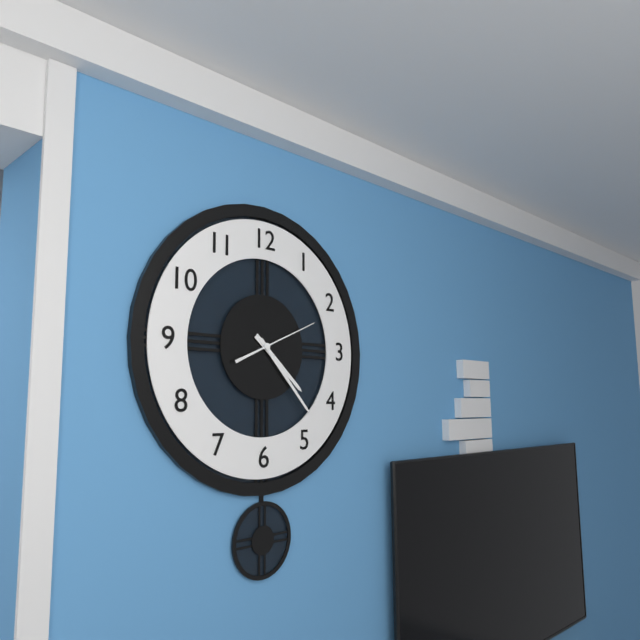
4:23:11
